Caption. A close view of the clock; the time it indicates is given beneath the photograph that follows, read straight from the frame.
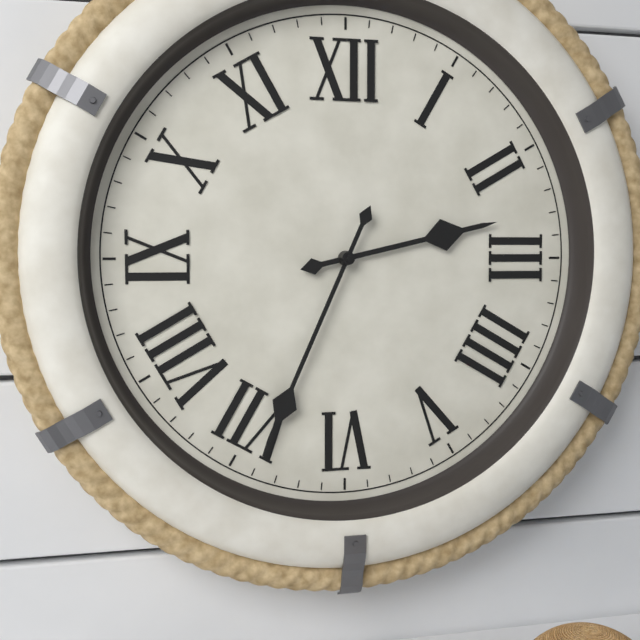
2:34
